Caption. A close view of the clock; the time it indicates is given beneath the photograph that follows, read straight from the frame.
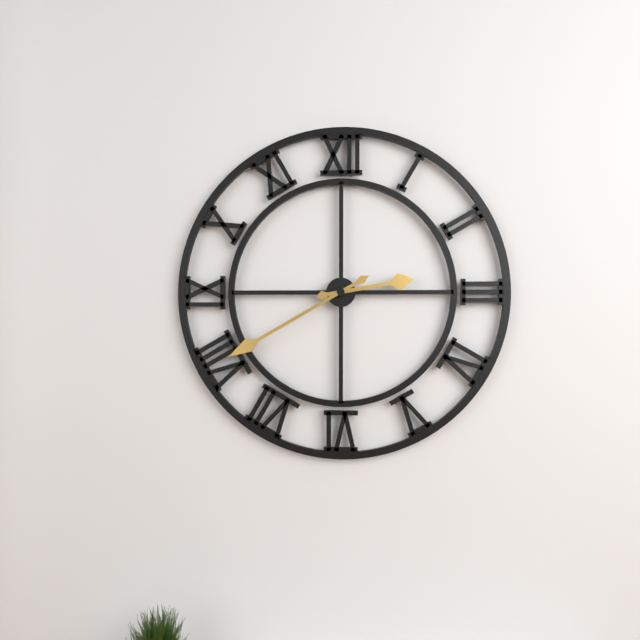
2:40
